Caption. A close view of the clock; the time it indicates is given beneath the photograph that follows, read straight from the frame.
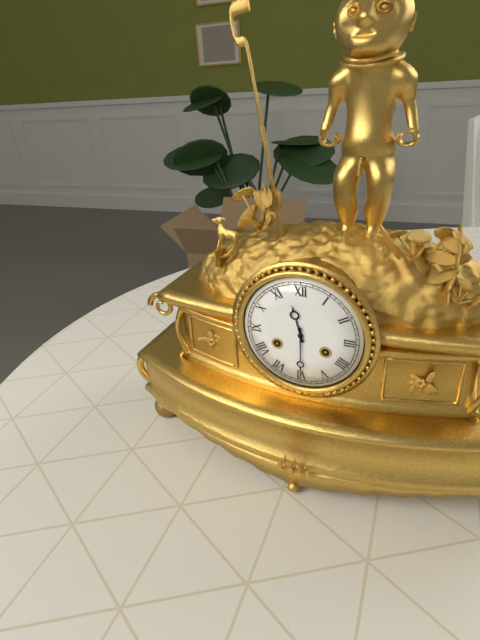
11:30
